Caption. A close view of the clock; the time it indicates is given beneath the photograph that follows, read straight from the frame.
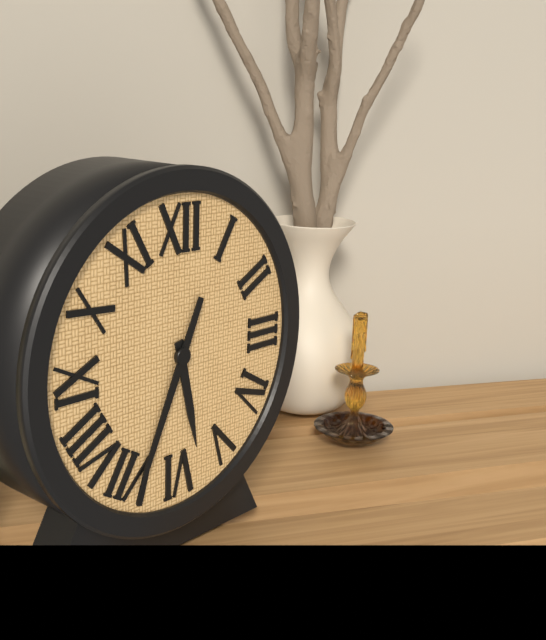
5:34
